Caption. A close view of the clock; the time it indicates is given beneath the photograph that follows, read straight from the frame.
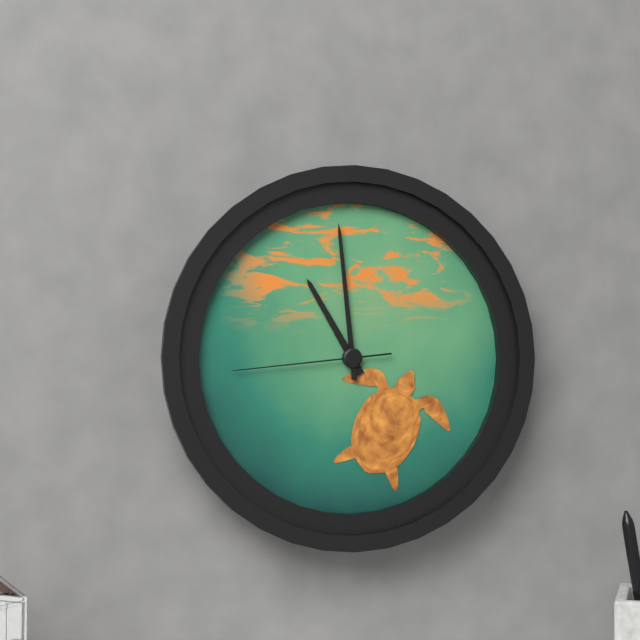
10:59:44
